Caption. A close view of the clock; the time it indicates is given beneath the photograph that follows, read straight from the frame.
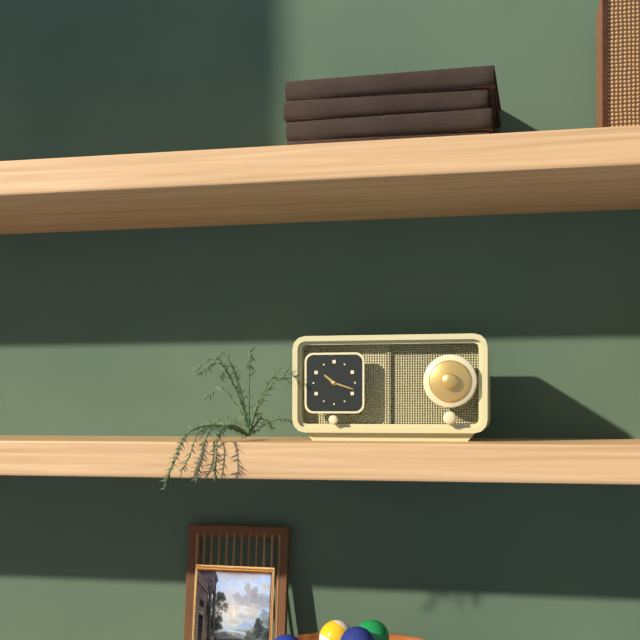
10:18
